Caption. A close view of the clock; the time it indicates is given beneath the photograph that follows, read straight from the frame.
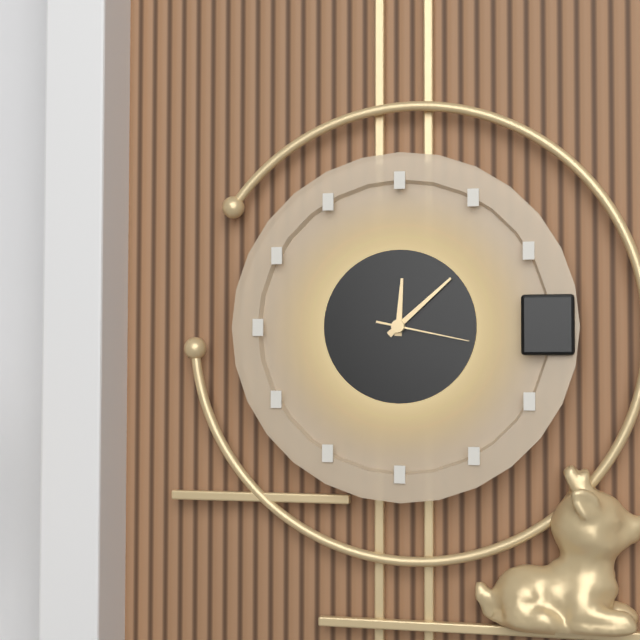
12:08:17
